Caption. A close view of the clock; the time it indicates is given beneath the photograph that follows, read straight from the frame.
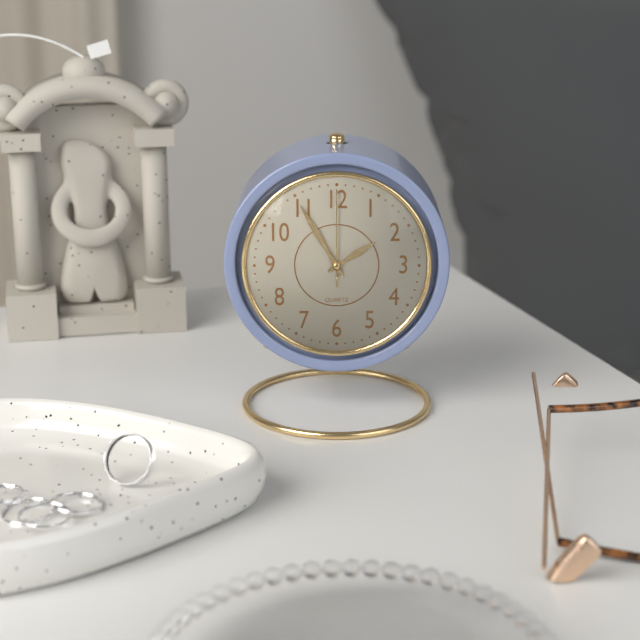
1:55:00
